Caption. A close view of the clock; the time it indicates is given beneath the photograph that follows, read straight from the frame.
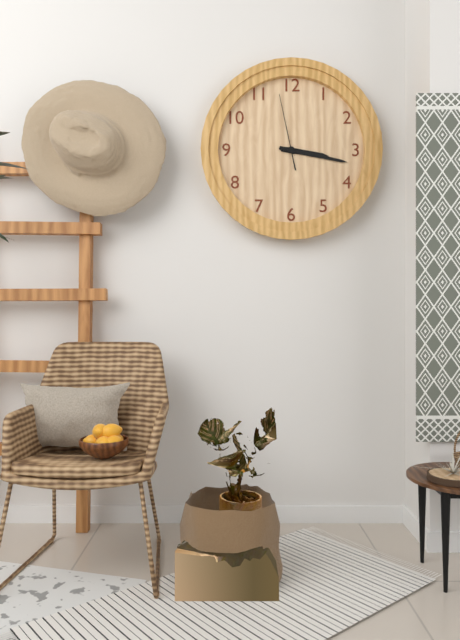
3:17:58
